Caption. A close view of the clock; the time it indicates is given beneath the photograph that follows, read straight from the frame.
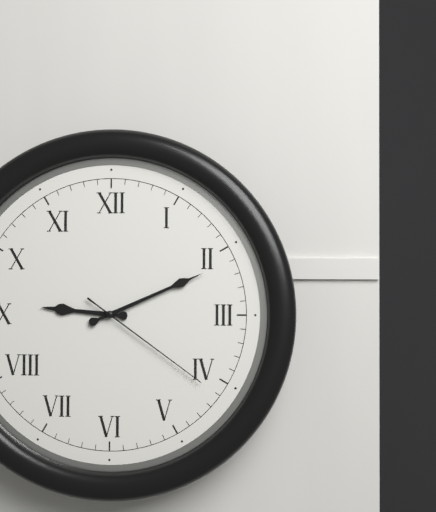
9:11:21
